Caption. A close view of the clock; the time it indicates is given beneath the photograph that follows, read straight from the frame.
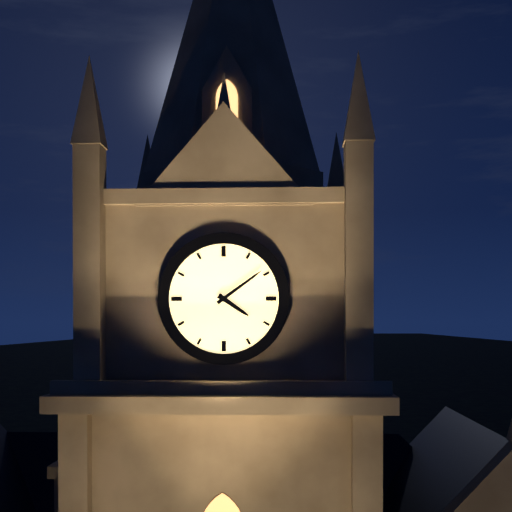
4:09
